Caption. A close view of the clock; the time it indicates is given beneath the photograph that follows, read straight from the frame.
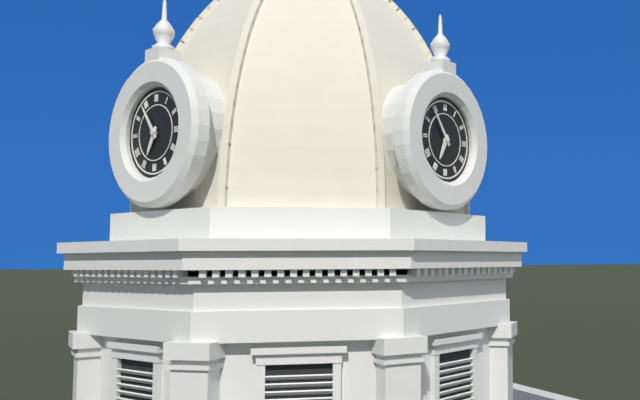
6:54
